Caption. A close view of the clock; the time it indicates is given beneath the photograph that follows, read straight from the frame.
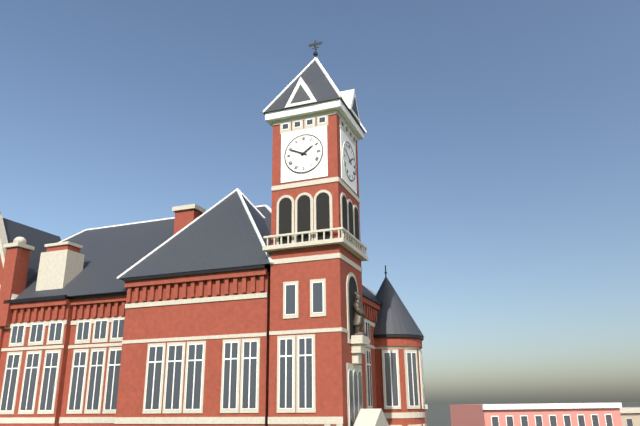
1:49
